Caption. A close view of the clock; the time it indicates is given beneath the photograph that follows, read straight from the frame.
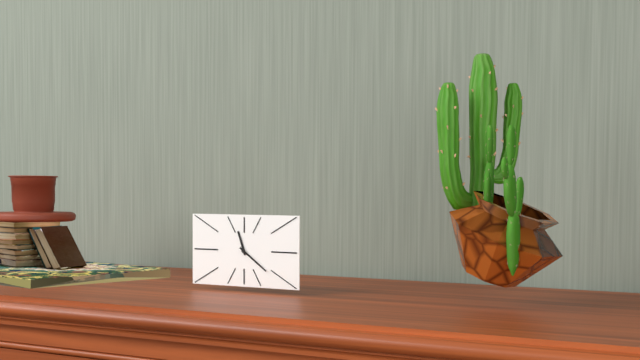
11:21
